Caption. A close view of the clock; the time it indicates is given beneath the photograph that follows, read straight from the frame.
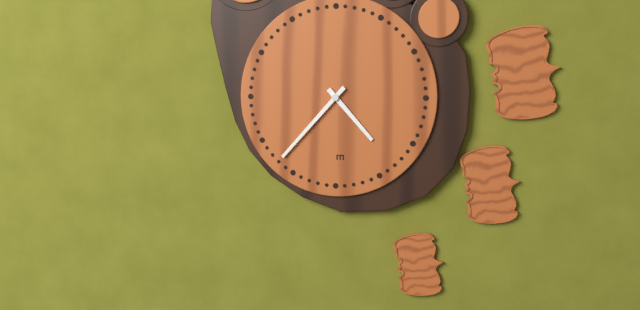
4:37
